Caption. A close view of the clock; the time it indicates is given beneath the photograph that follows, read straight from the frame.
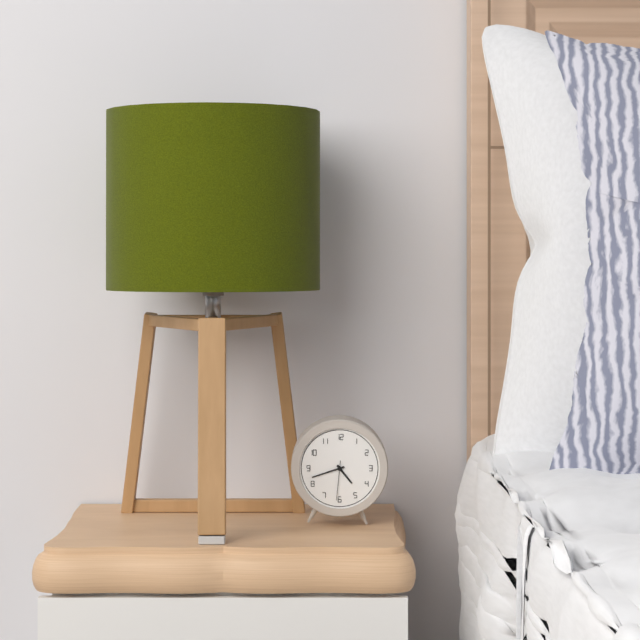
4:42
